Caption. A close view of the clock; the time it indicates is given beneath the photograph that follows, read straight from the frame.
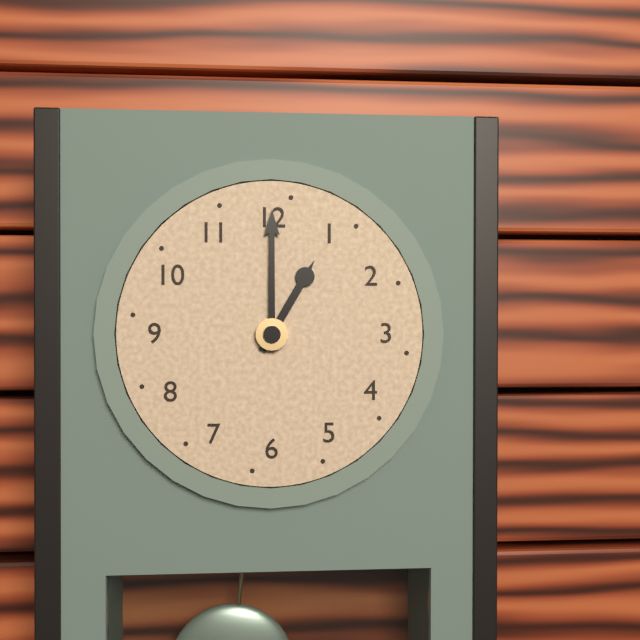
1:00
